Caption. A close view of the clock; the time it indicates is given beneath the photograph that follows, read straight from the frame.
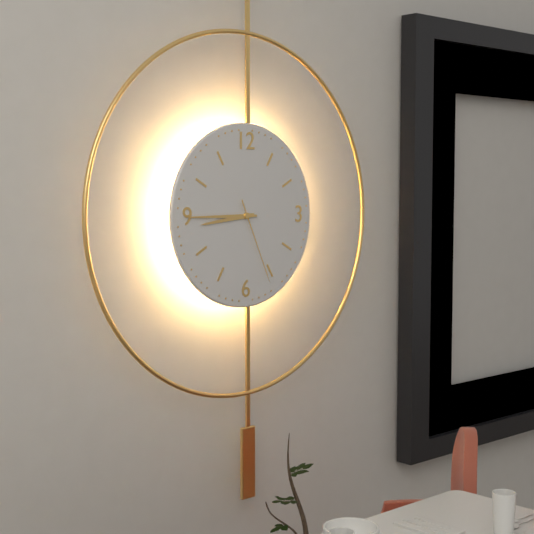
8:45:26
